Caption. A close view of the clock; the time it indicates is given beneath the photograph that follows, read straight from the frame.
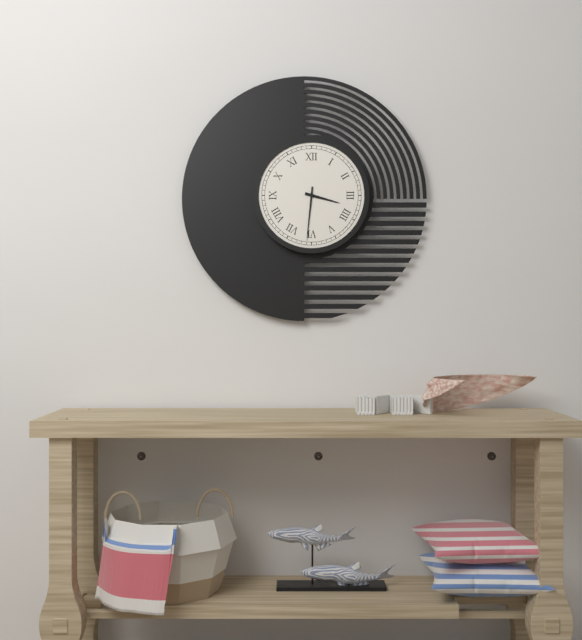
3:31
